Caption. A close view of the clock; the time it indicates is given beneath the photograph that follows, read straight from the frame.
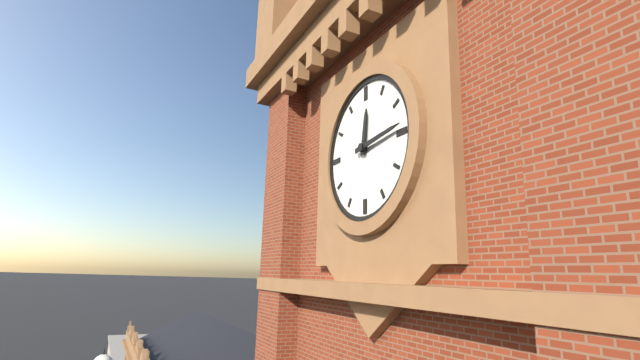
12:14
